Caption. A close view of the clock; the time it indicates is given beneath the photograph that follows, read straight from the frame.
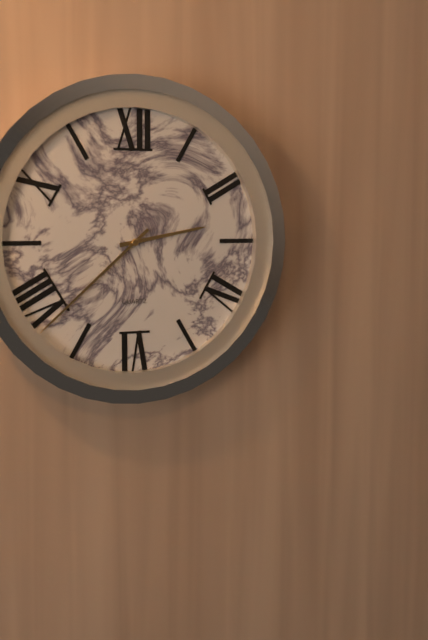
2:38
